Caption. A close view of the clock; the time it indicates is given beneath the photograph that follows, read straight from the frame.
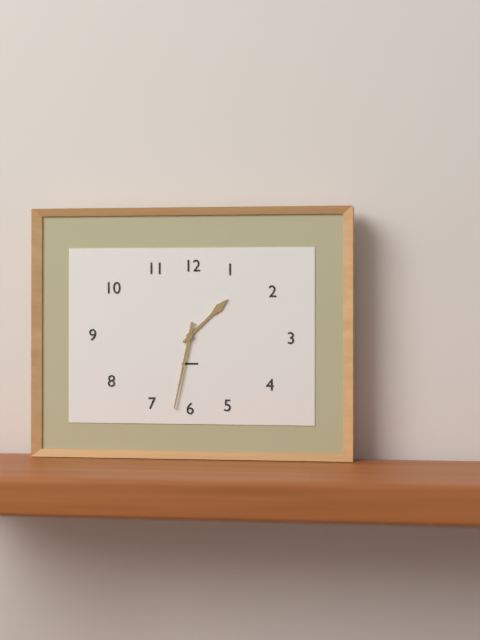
1:32
